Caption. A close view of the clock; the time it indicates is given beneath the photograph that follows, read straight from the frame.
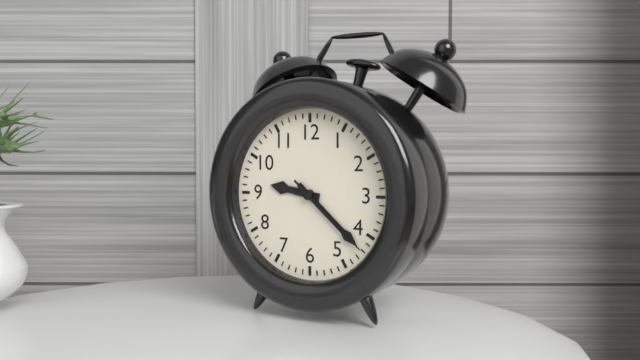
9:22:22
